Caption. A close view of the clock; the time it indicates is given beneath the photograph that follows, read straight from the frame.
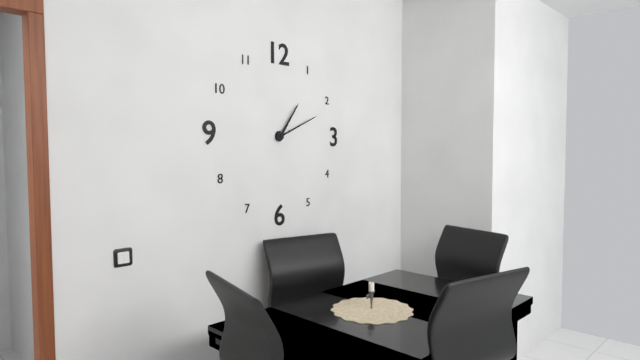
1:11
